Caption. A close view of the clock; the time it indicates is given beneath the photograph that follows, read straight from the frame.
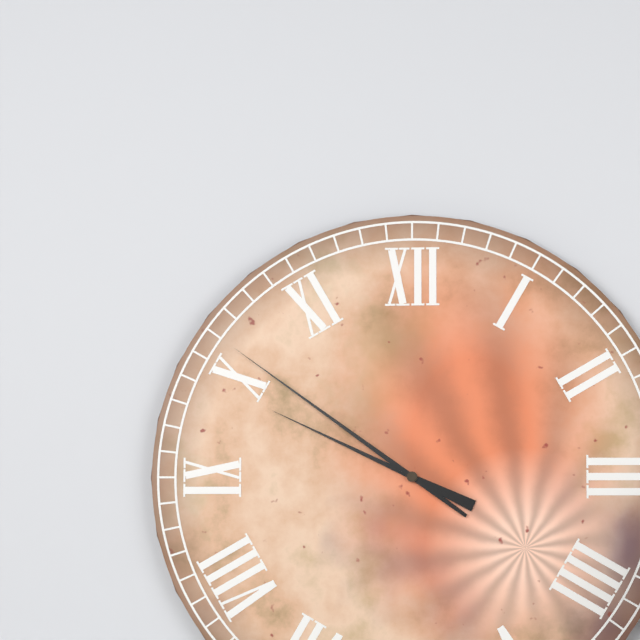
9:51
